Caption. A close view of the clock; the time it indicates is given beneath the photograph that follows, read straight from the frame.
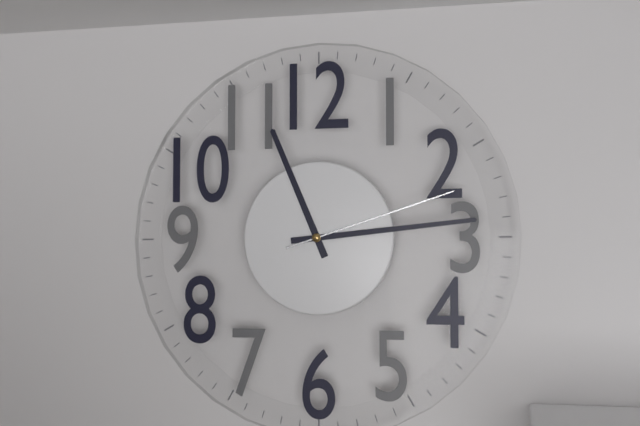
11:14:12
